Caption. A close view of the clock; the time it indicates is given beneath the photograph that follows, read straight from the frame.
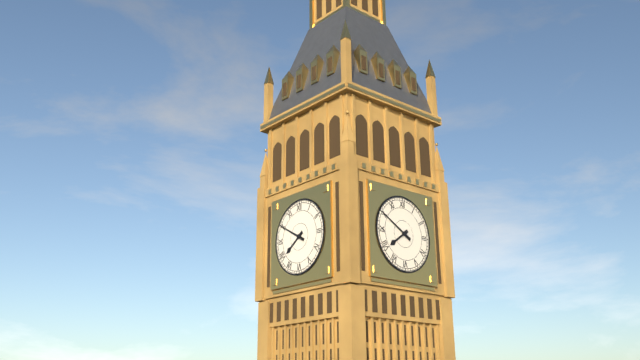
7:50
